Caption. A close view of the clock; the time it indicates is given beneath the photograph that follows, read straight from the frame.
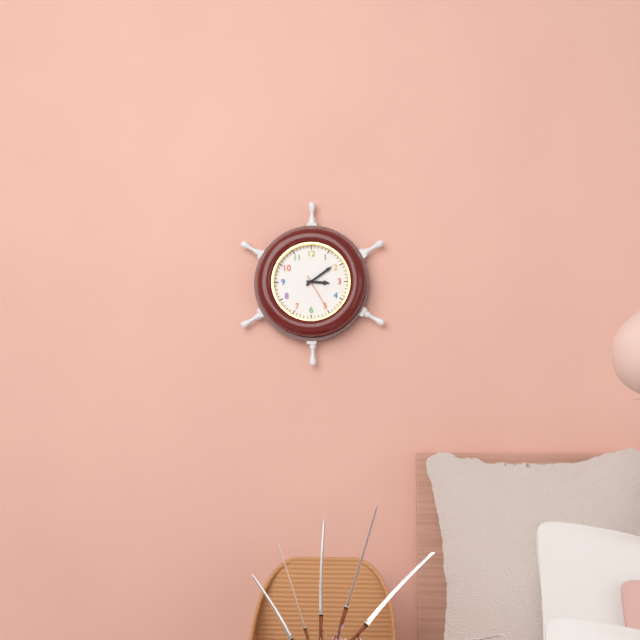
3:09
